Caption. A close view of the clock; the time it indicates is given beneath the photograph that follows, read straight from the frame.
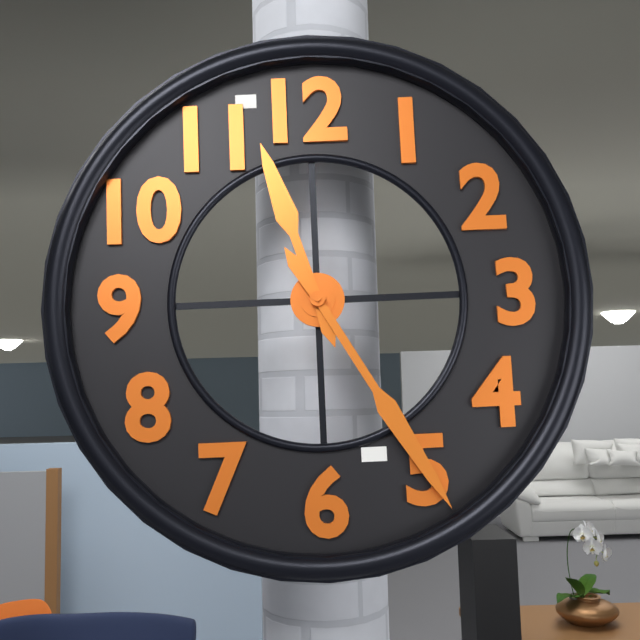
11:25
